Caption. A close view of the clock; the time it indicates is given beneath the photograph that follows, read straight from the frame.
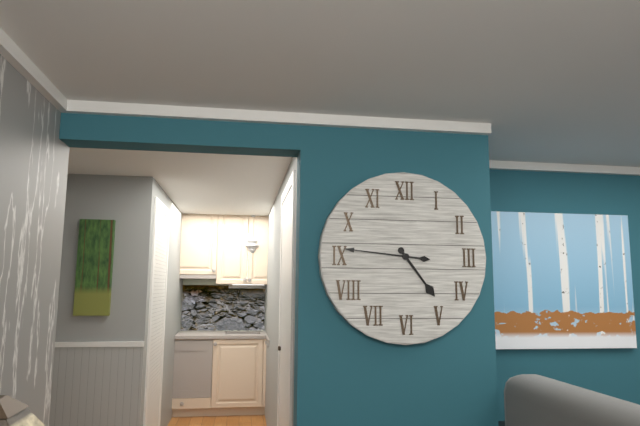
4:46
